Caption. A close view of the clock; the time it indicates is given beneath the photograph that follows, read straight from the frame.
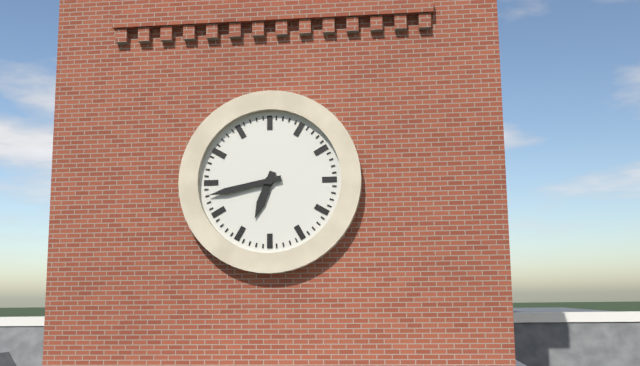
6:43
